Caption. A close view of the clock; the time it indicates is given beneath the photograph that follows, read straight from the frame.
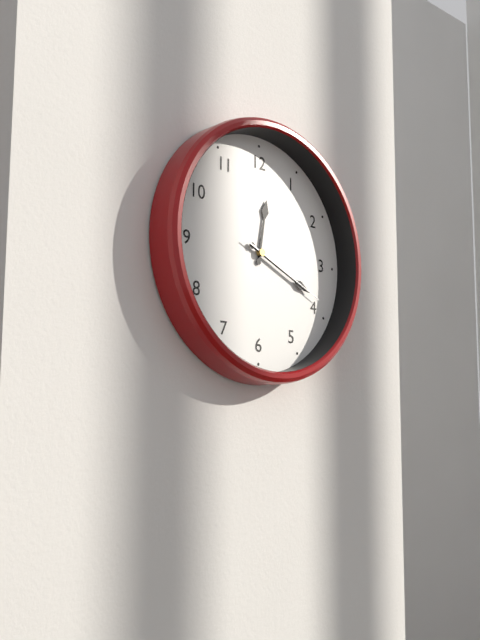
12:19:19
